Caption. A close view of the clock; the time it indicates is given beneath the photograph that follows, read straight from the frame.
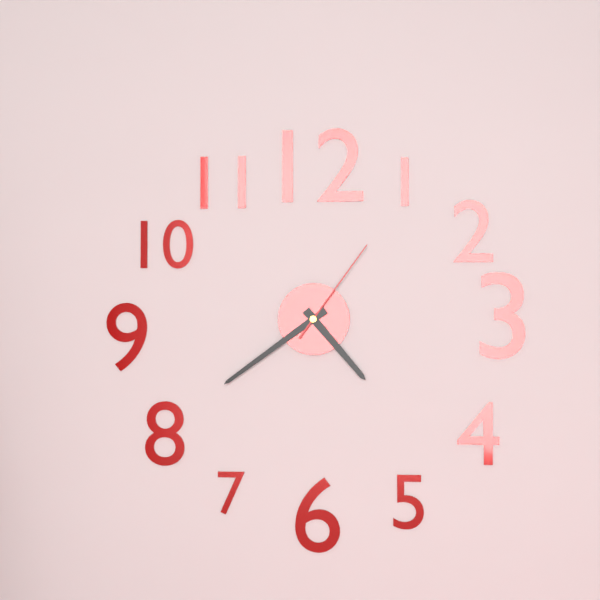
4:39:06
